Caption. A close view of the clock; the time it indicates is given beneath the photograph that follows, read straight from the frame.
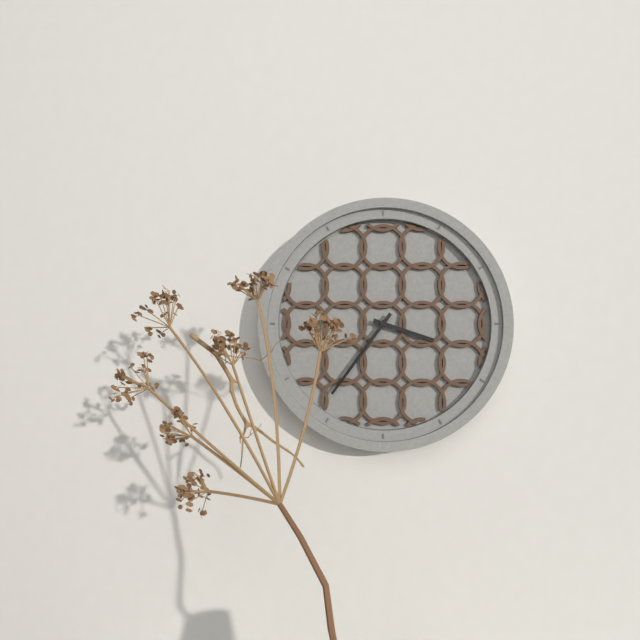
3:36
